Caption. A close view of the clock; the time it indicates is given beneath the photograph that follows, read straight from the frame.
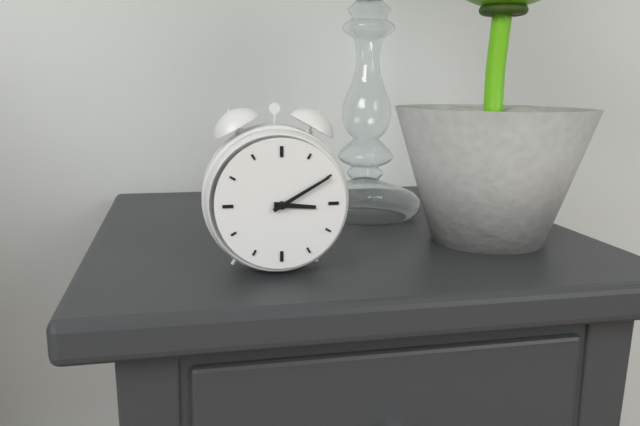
3:10
